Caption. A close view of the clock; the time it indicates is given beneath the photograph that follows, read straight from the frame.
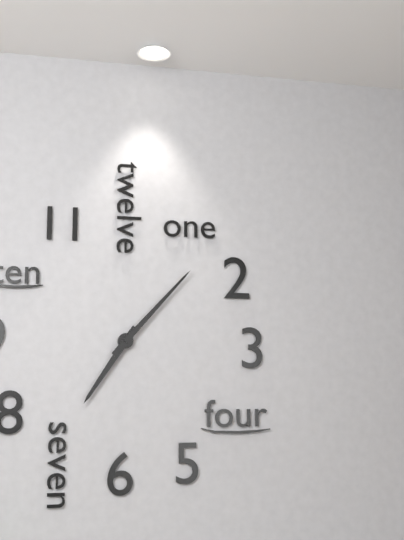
7:07
